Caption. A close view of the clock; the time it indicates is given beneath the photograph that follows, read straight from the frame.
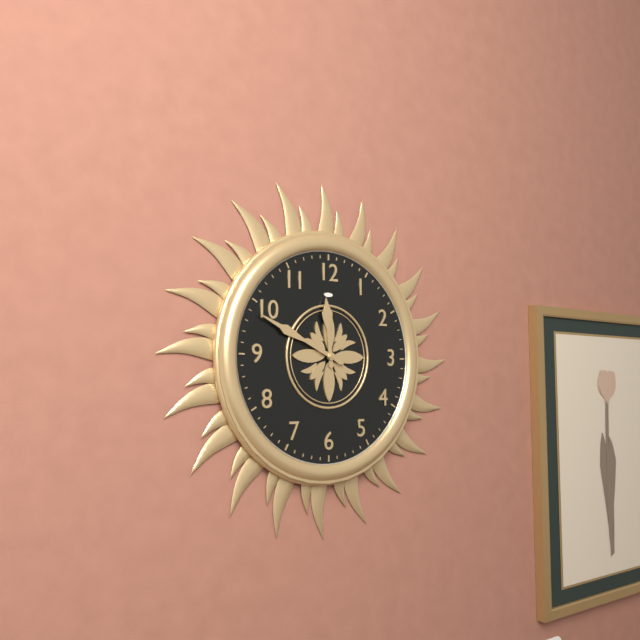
11:49
